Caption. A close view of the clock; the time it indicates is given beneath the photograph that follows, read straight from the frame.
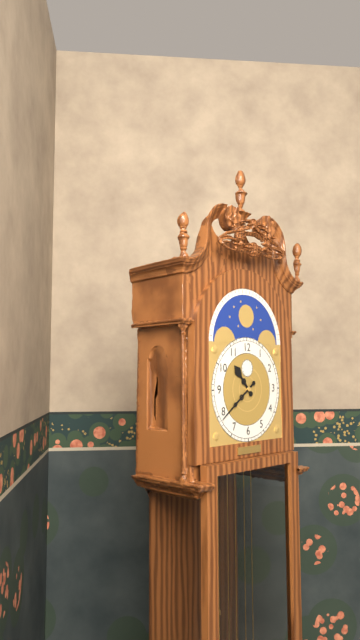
10:39
